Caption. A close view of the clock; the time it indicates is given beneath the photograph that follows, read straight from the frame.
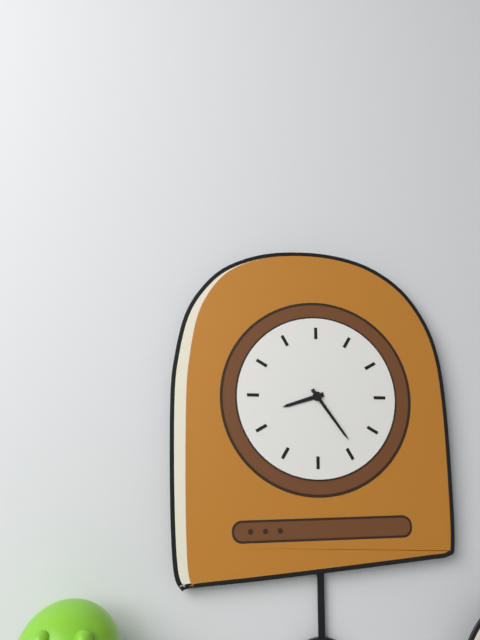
8:24
